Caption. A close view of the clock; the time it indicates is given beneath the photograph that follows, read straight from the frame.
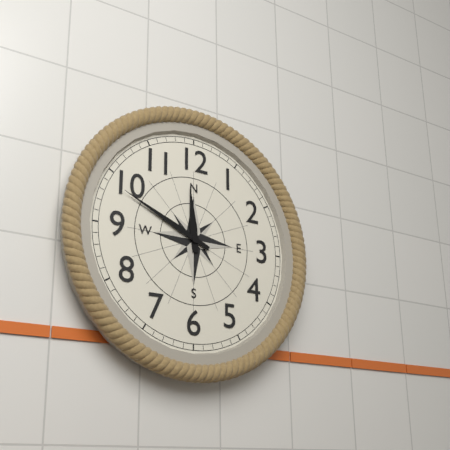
11:49
